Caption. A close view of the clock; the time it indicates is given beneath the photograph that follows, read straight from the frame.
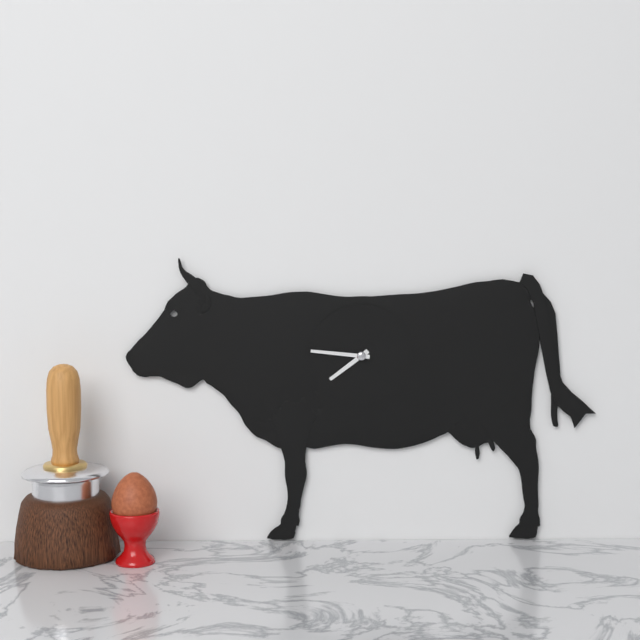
7:46
